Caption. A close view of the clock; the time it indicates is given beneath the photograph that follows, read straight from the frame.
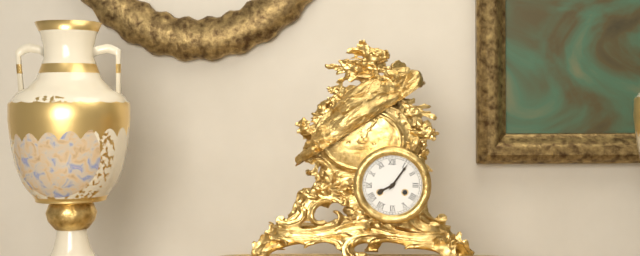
8:06
